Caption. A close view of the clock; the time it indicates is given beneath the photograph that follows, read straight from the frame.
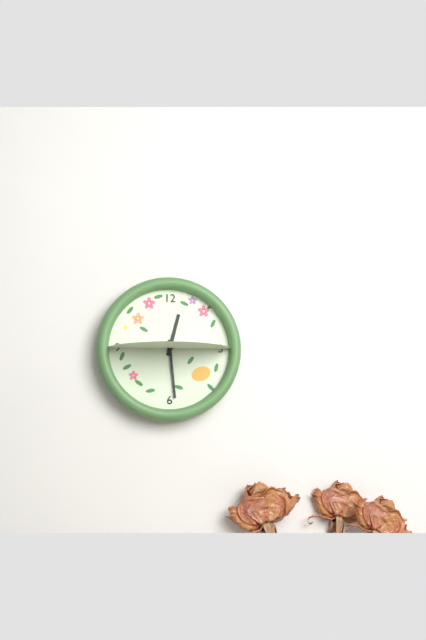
12:29
